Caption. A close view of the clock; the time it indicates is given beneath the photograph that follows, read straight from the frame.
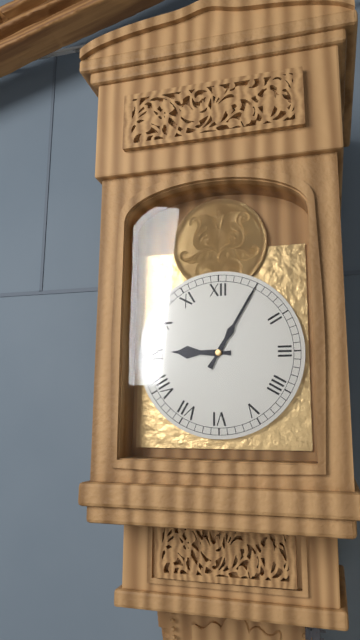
9:05
